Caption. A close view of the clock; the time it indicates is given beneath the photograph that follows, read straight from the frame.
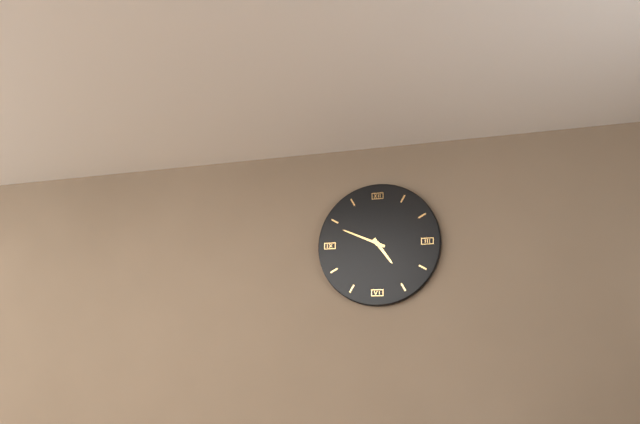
4:49
